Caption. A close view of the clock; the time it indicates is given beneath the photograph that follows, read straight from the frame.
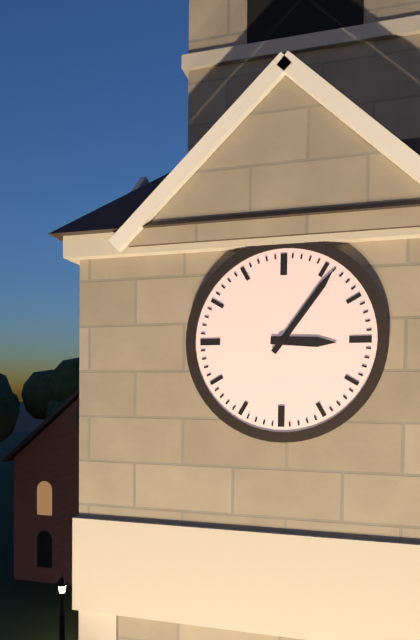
3:06
